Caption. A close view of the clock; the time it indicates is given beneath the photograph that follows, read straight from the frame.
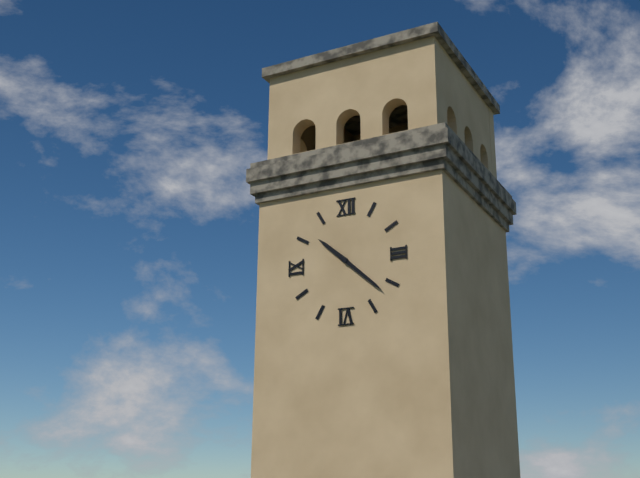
10:22
